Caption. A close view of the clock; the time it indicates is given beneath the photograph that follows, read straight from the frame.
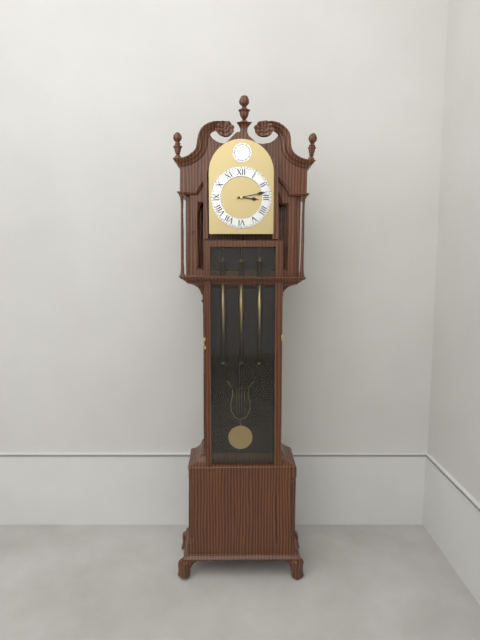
3:13
